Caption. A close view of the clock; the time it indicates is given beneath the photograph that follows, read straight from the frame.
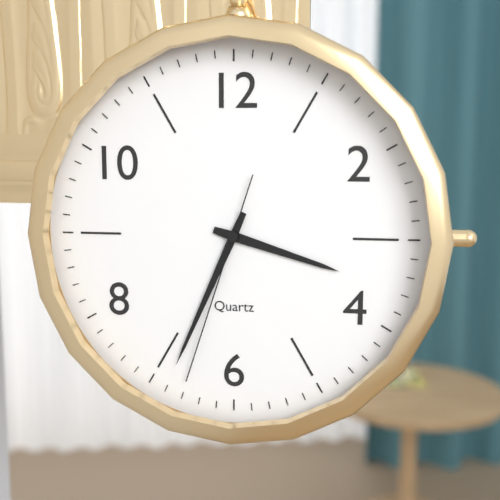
3:34:33
